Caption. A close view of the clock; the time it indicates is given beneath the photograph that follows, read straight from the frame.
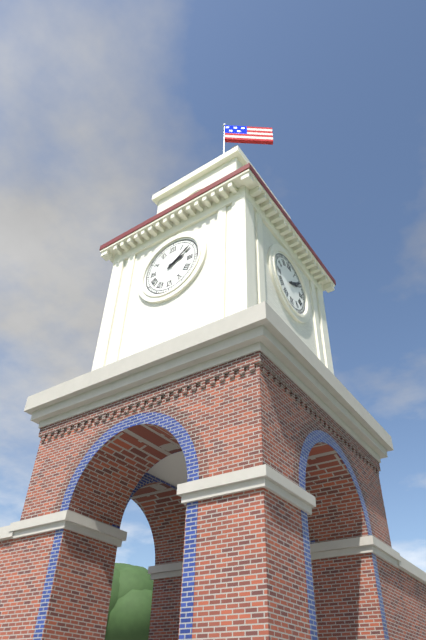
2:09
